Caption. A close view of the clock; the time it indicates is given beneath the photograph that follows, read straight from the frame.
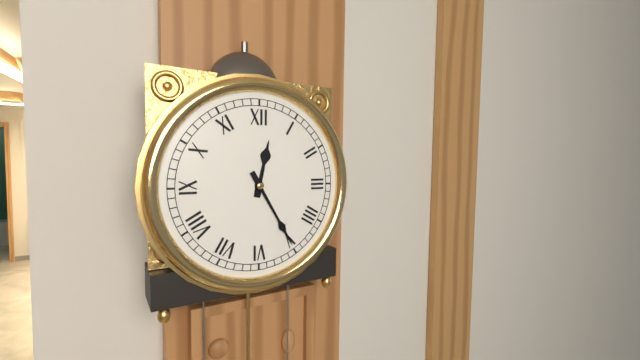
12:25
